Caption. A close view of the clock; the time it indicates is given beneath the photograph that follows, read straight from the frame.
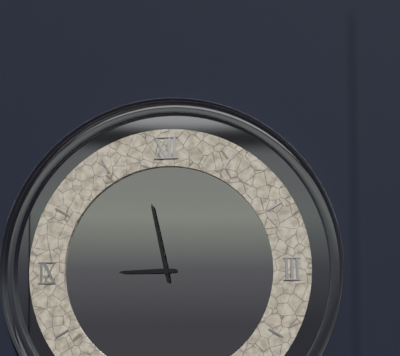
8:58
